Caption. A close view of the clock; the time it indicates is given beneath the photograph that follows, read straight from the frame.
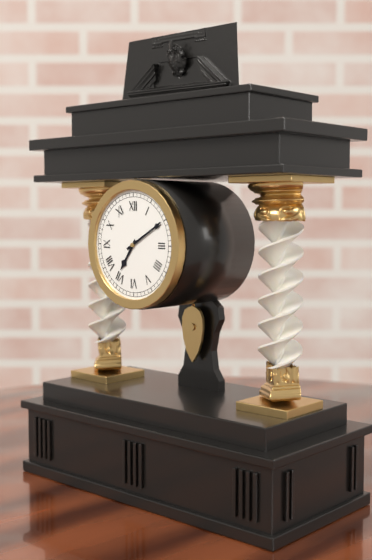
7:10
